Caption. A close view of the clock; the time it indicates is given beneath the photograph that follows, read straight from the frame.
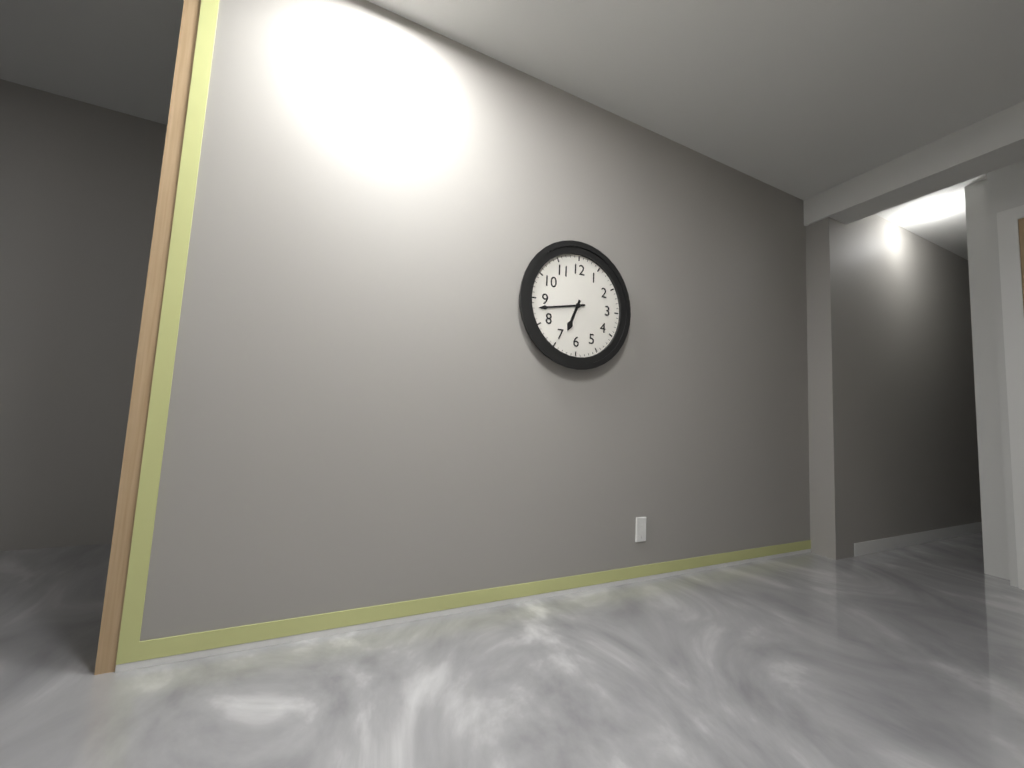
6:43
